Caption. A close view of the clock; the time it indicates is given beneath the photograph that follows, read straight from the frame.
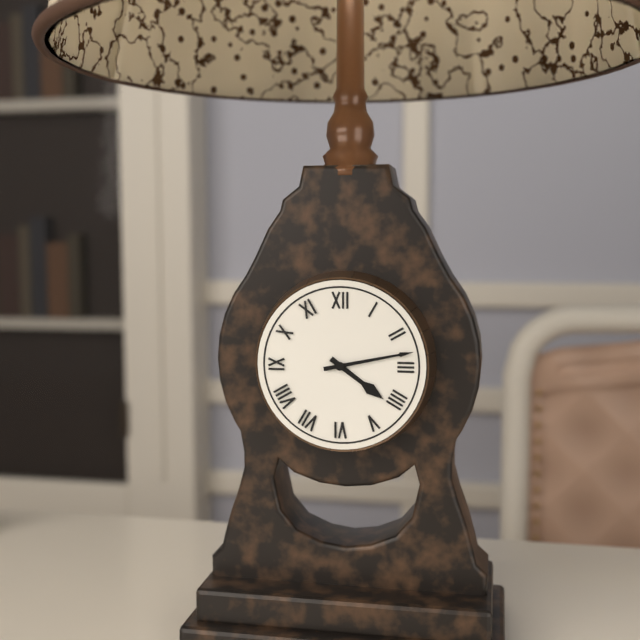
4:13
